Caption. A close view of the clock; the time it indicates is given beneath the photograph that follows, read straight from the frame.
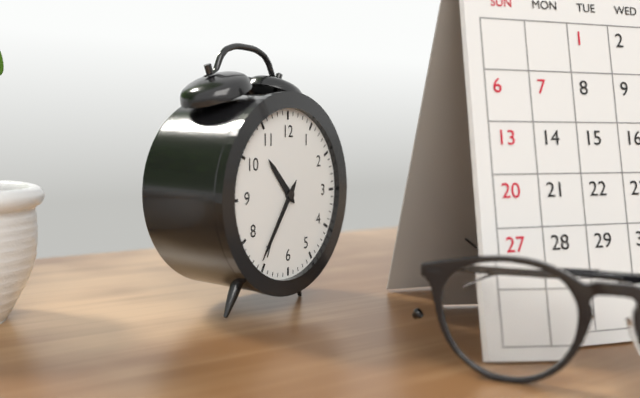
10:36
